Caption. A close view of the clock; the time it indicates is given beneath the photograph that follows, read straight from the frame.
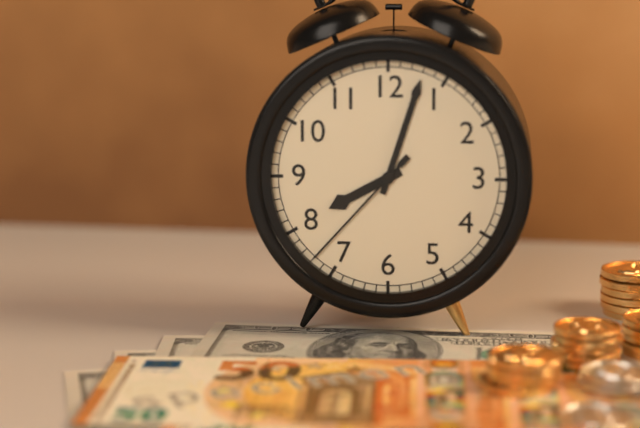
8:03:37
